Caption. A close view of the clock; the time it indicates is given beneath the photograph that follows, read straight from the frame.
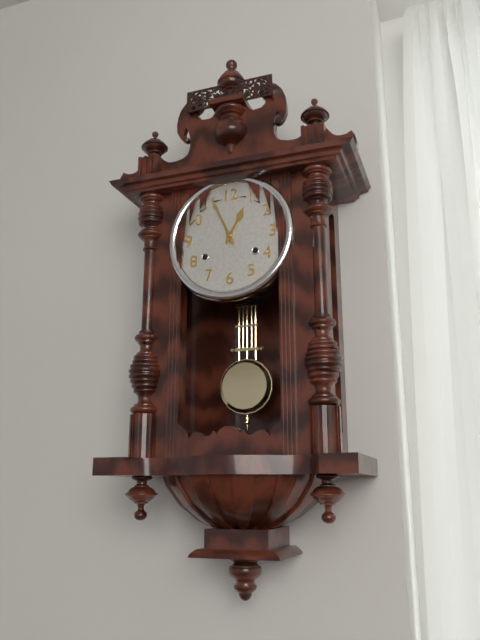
12:56
